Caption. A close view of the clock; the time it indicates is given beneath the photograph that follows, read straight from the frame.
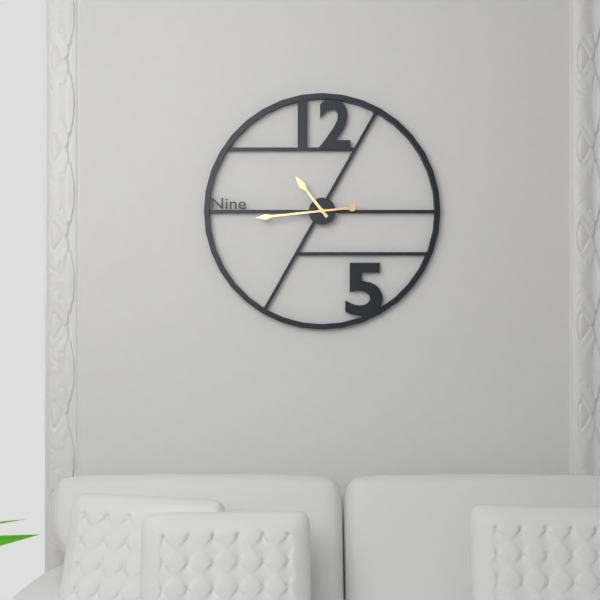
10:44
